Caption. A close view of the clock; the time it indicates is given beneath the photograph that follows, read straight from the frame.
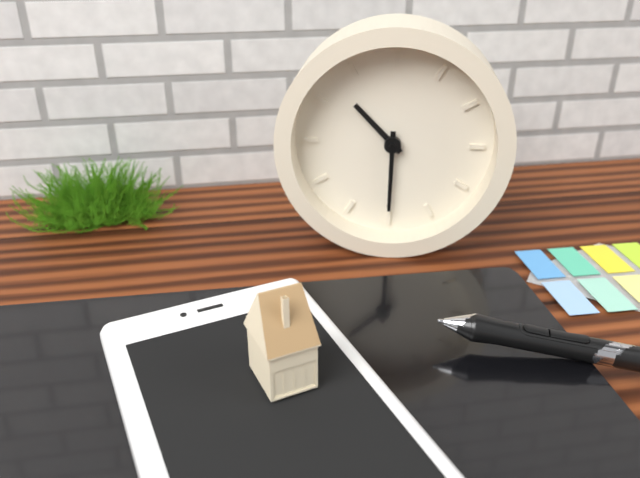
10:30
